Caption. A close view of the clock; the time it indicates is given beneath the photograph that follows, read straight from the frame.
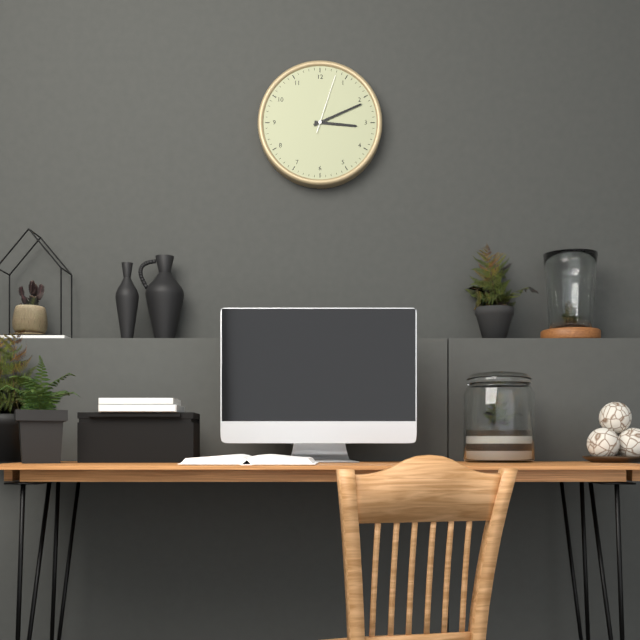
3:11:03
